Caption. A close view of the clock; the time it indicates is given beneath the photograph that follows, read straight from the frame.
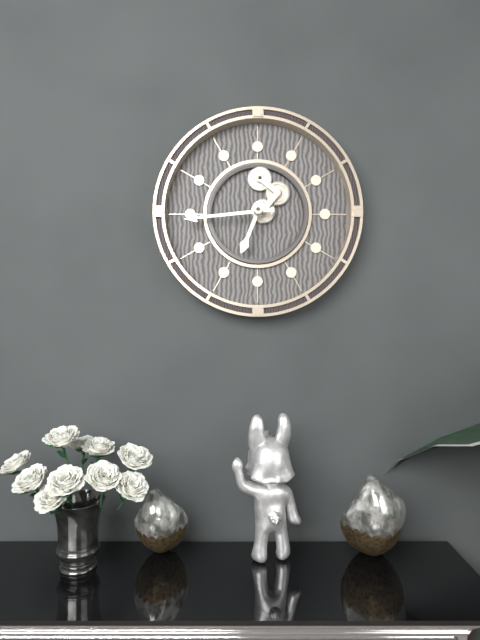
6:44
